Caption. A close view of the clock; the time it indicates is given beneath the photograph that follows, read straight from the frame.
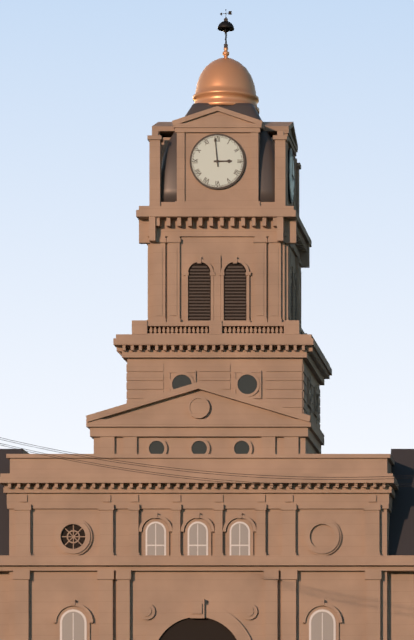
2:59
